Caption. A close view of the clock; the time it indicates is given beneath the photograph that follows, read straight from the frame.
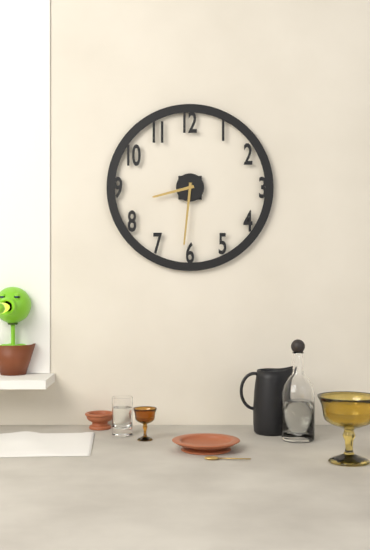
8:31
